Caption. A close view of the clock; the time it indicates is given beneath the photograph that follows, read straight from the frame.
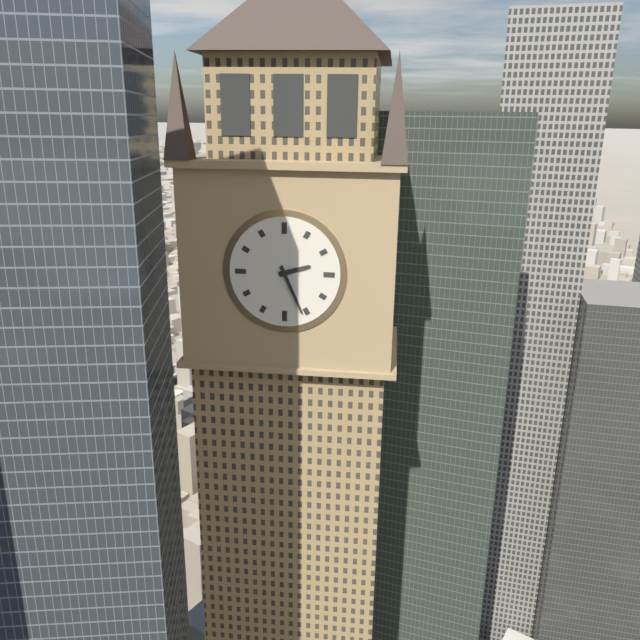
2:26
